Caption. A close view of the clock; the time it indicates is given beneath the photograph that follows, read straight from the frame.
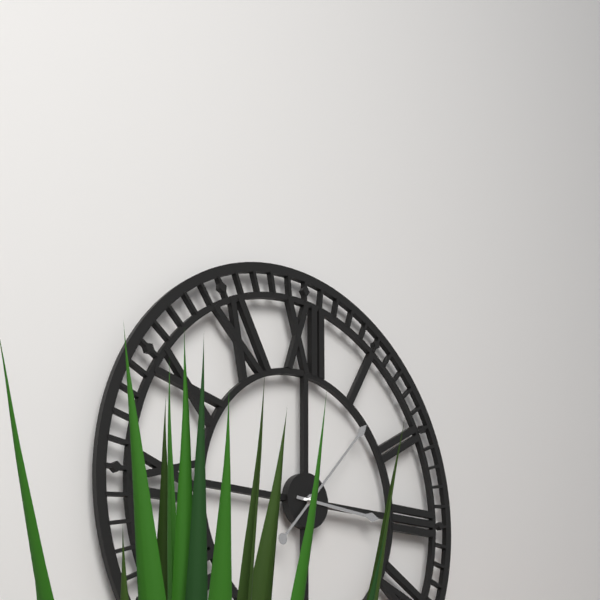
3:07
